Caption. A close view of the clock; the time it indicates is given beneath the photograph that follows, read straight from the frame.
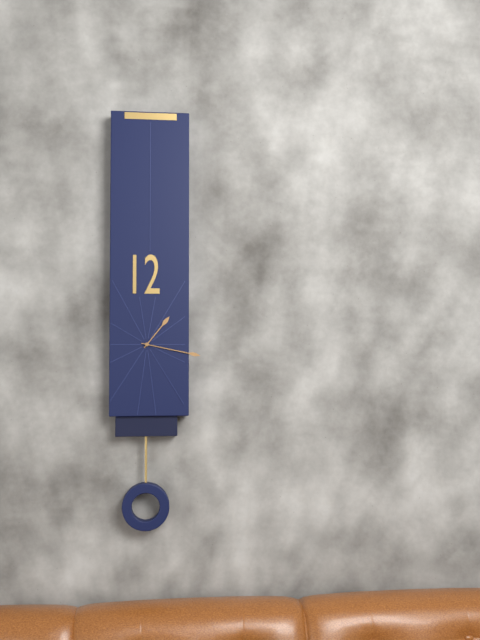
1:17
